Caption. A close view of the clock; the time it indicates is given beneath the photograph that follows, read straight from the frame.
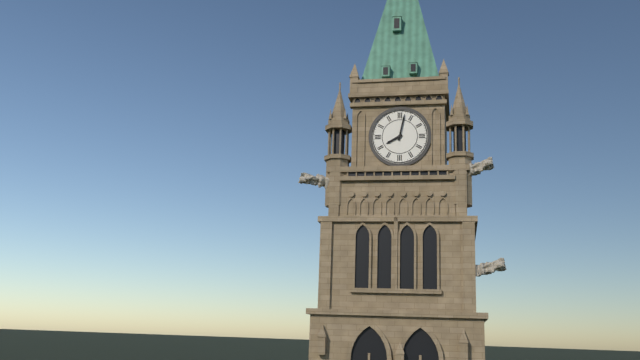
8:02
